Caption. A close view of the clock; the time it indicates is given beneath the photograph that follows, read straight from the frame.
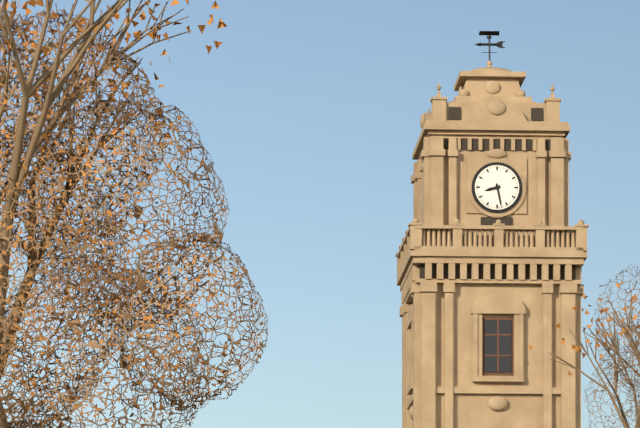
8:28
